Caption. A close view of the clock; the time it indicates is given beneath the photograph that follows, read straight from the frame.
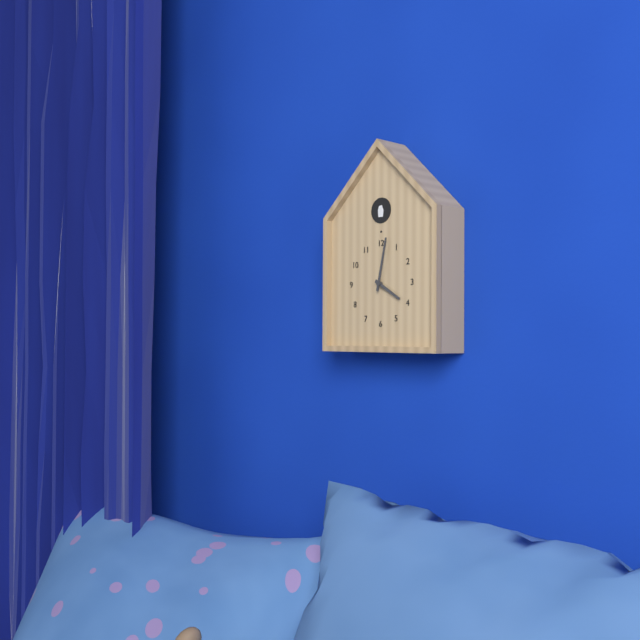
4:02
